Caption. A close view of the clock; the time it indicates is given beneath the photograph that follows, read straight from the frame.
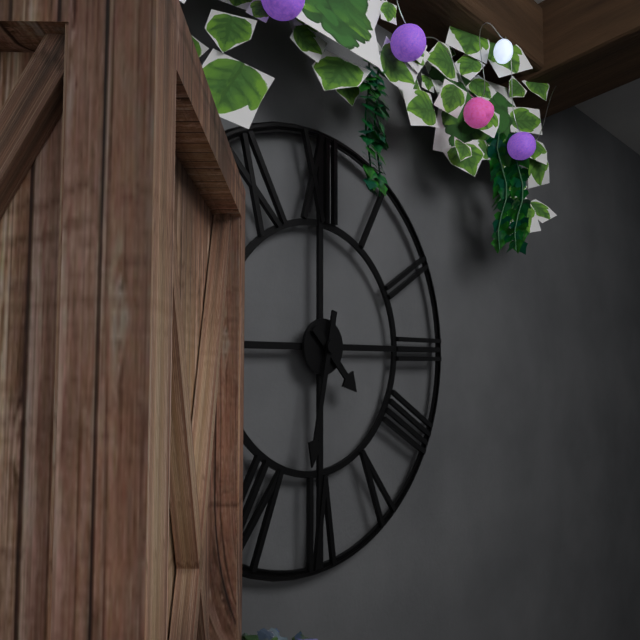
4:32
